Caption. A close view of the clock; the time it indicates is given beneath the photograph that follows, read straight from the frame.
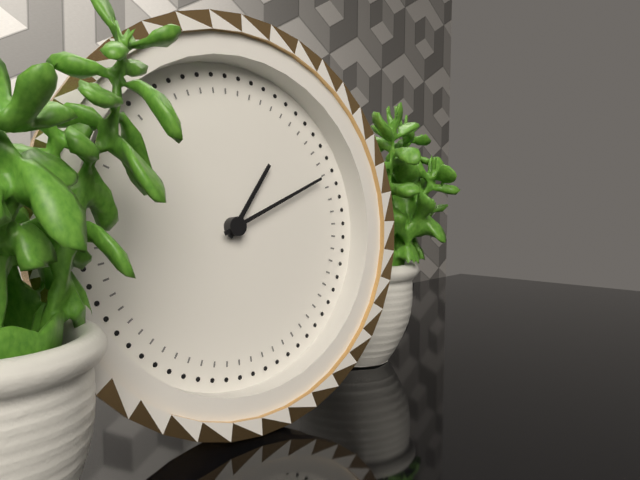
1:11
